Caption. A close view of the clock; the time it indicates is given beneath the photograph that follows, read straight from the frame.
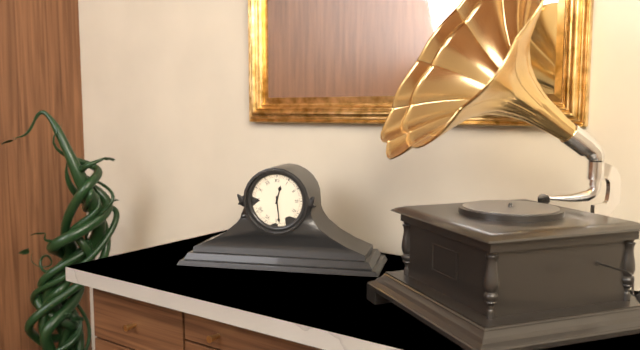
12:29
